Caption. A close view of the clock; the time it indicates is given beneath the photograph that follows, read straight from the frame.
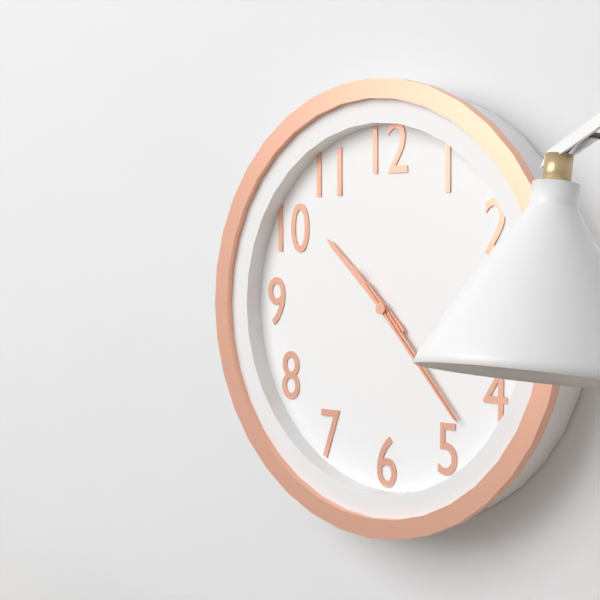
10:23:23
